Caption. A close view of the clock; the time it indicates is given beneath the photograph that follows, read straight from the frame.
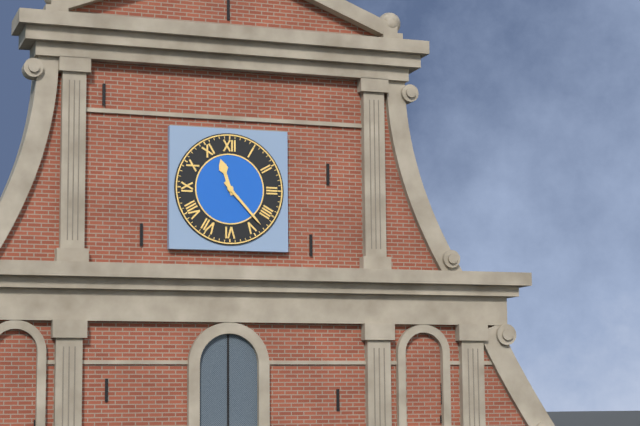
11:23
